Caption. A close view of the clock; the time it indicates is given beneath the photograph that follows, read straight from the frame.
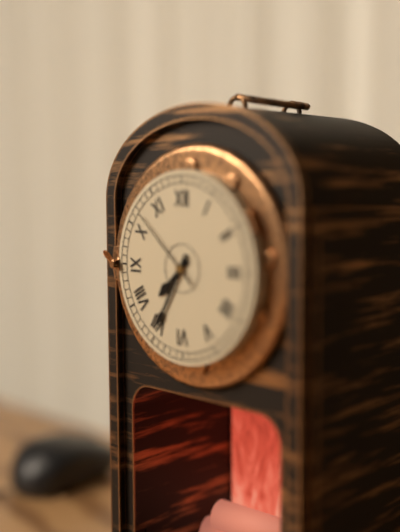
7:35:52
